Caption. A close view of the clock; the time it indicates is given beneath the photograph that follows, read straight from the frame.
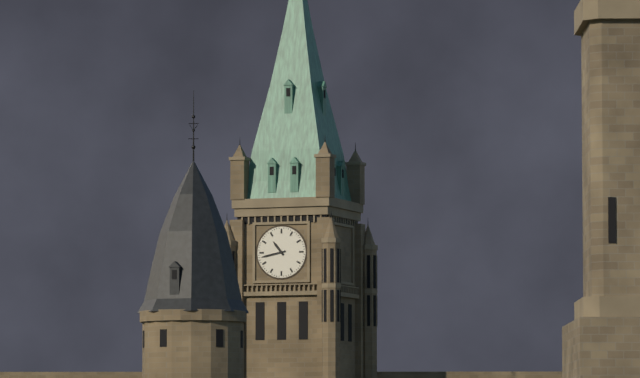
10:43
